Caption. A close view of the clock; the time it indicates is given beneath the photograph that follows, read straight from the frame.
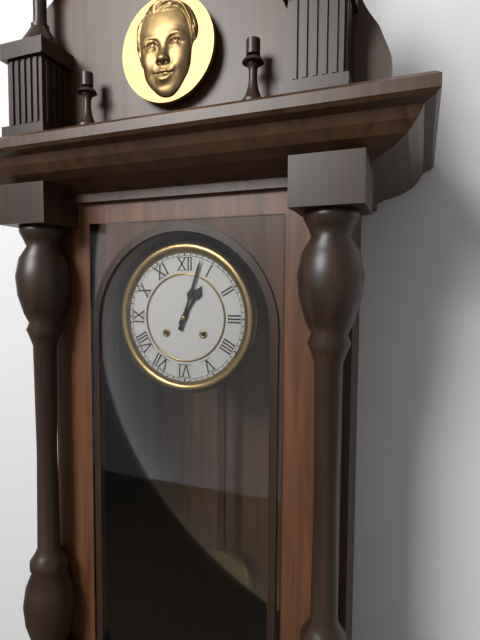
1:03
